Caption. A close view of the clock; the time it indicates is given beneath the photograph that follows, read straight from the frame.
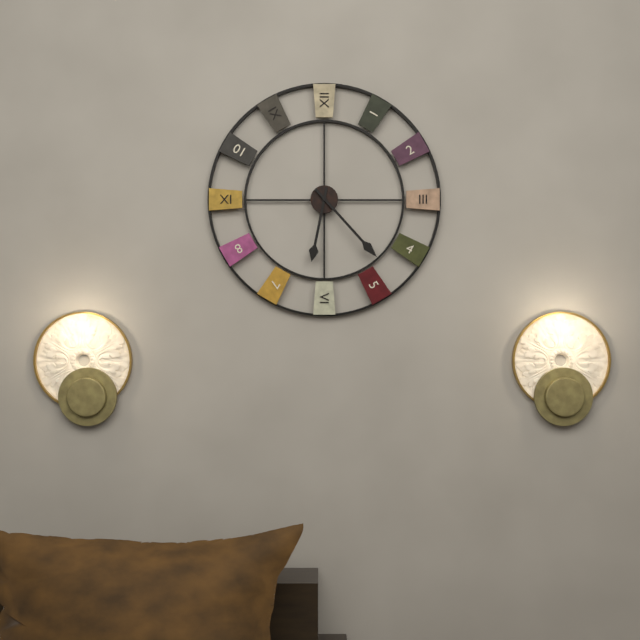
6:23
